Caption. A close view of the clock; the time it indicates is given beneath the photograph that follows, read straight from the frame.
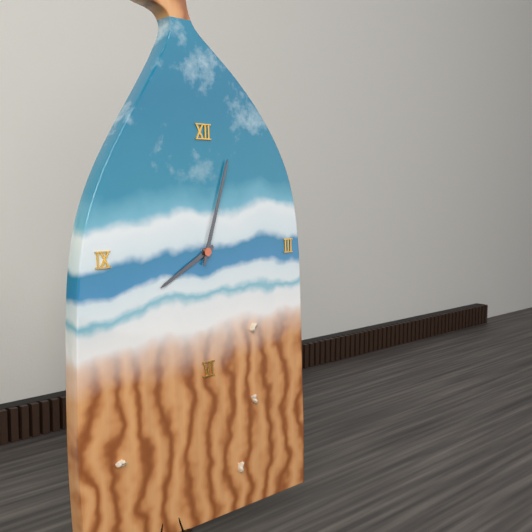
8:03
